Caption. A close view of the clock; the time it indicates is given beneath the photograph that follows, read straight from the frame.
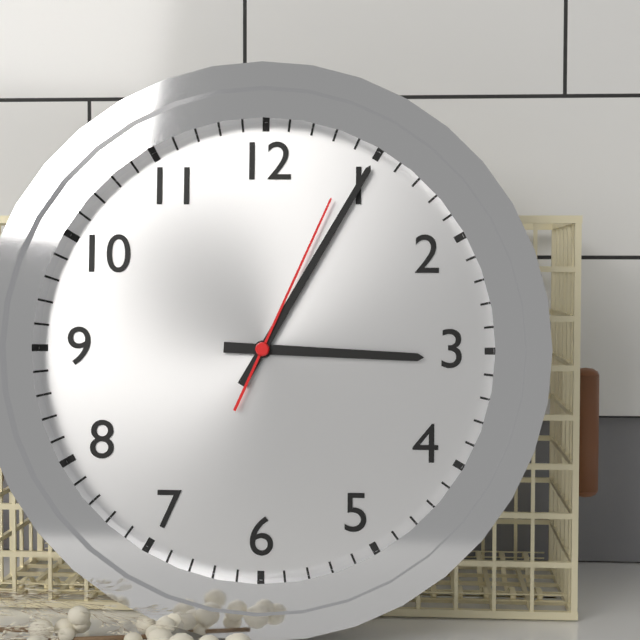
3:05:04
